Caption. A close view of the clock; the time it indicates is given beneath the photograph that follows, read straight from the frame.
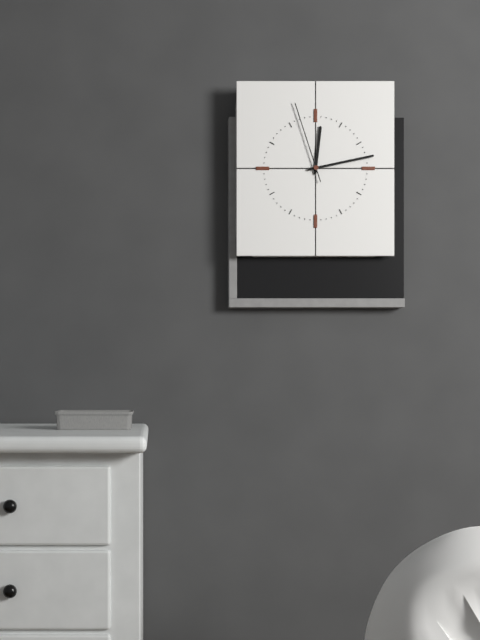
12:13:57
